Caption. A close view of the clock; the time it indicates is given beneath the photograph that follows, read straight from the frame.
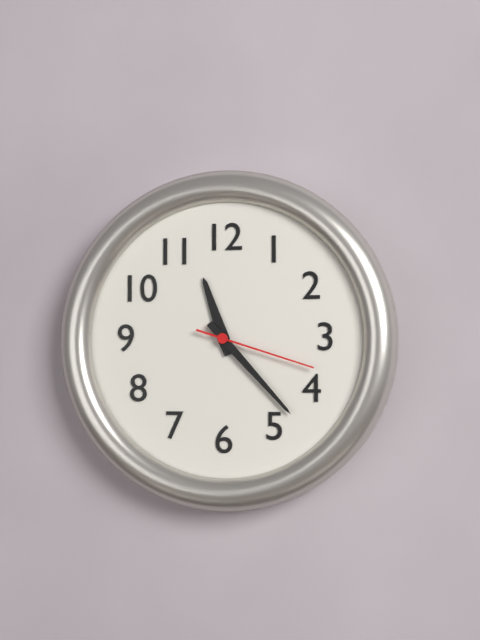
11:23:18
